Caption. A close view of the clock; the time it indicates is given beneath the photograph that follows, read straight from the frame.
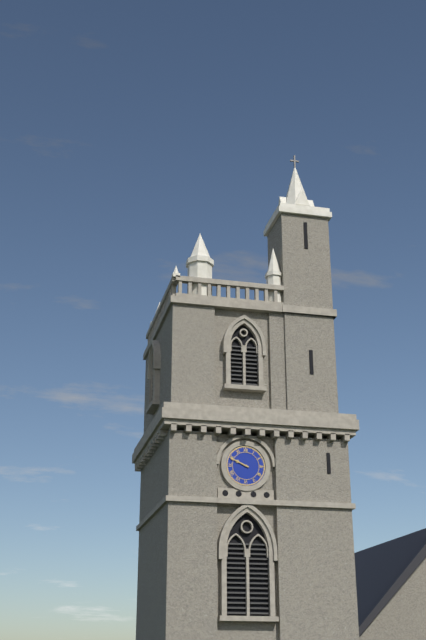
9:49
